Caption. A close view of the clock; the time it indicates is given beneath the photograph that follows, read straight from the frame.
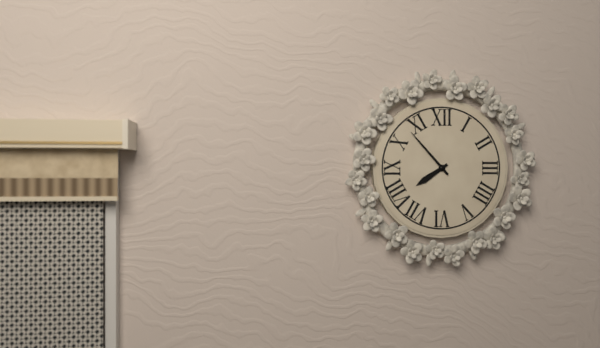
7:53
